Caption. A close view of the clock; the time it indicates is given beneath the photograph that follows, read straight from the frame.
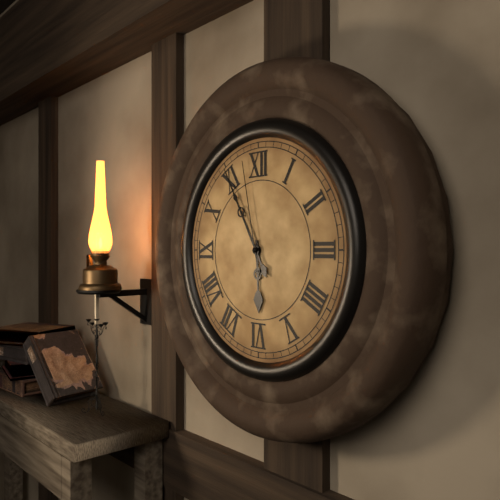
5:55:58
